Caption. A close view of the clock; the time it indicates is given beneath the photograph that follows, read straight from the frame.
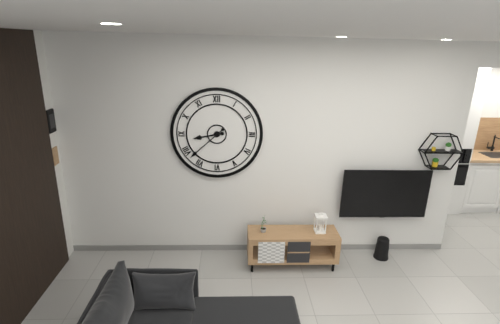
8:38
